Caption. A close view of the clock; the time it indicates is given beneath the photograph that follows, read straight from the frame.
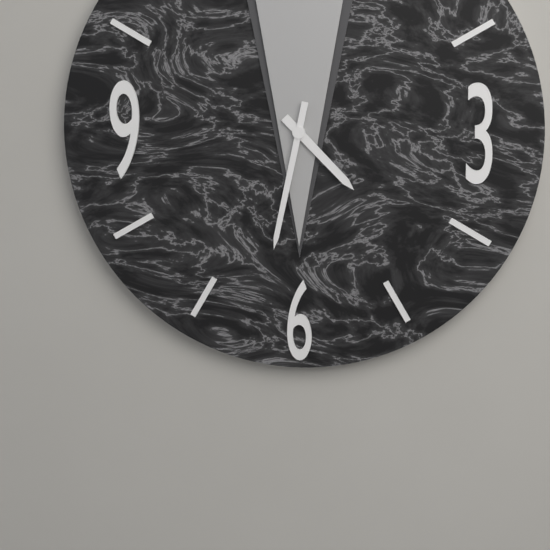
4:32
